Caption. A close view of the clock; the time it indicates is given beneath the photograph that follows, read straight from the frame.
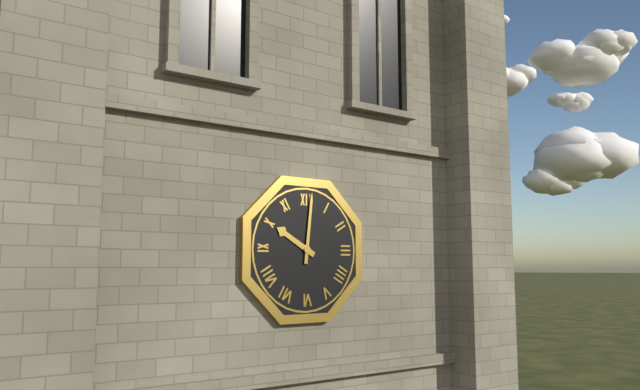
10:01
